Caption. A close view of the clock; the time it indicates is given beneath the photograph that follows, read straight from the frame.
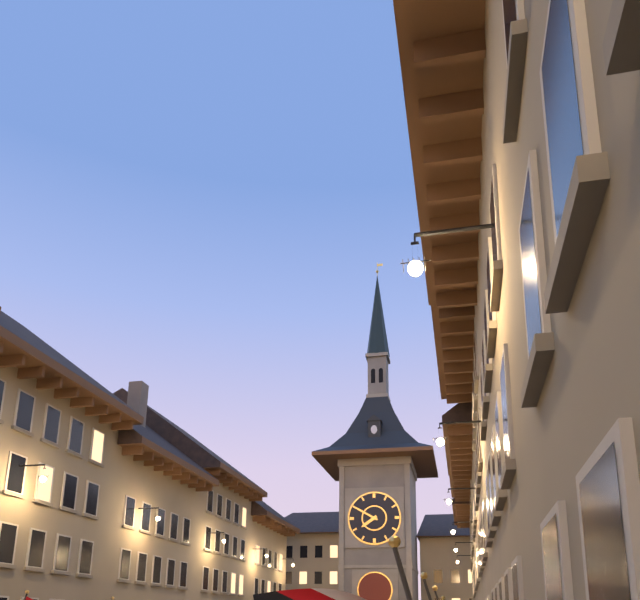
7:50
